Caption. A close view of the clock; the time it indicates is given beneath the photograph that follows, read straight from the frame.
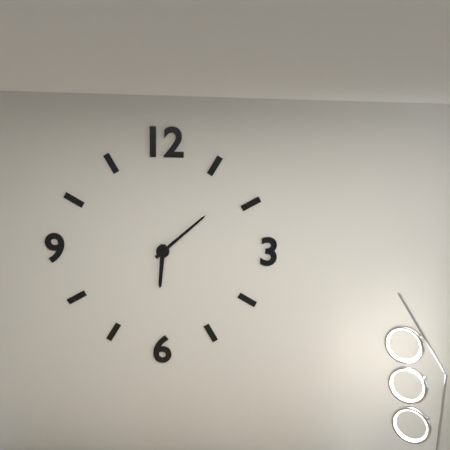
6:08
